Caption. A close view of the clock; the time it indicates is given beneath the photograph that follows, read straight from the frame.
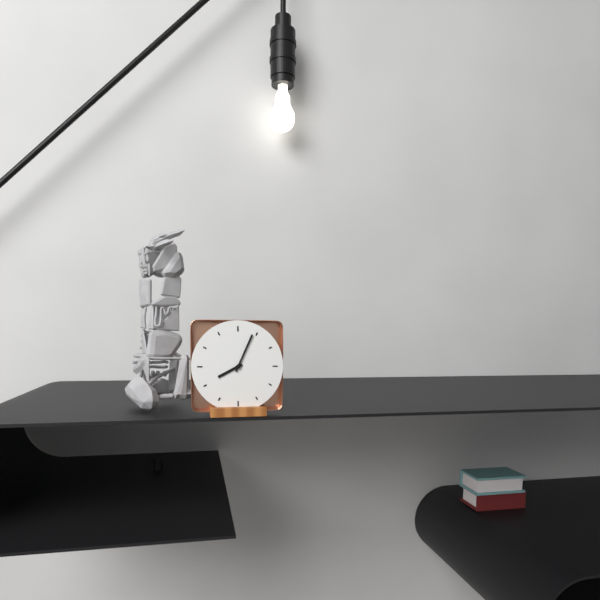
8:04
